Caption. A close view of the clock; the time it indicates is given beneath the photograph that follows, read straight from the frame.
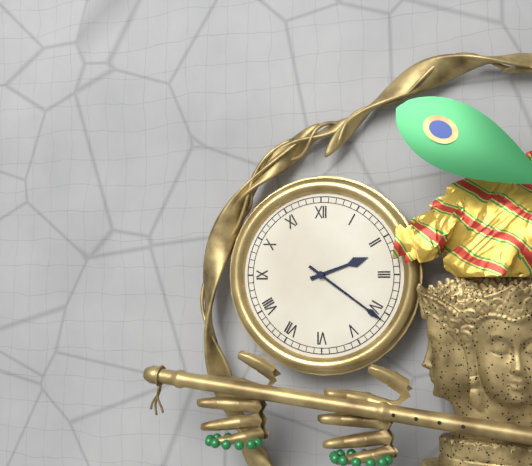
2:21
